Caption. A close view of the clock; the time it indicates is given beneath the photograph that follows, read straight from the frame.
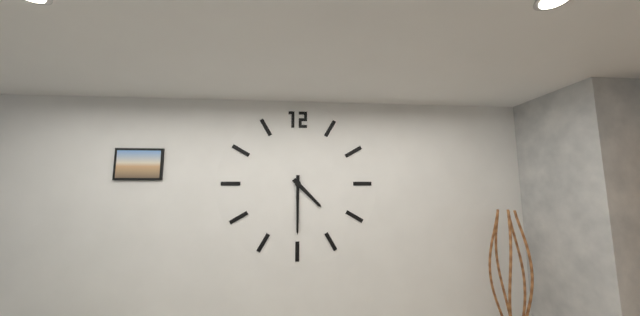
4:30
